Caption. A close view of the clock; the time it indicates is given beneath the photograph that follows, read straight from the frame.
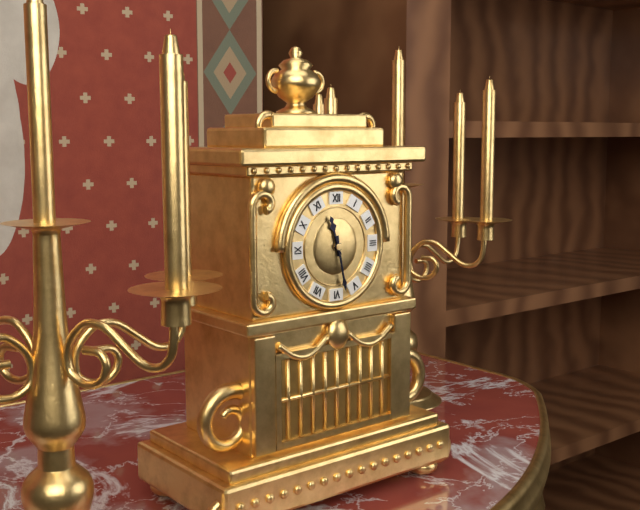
11:28
